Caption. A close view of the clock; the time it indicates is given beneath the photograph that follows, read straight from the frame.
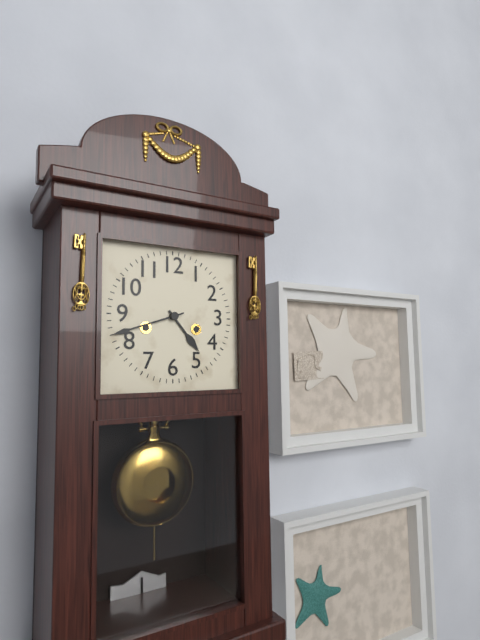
4:42
